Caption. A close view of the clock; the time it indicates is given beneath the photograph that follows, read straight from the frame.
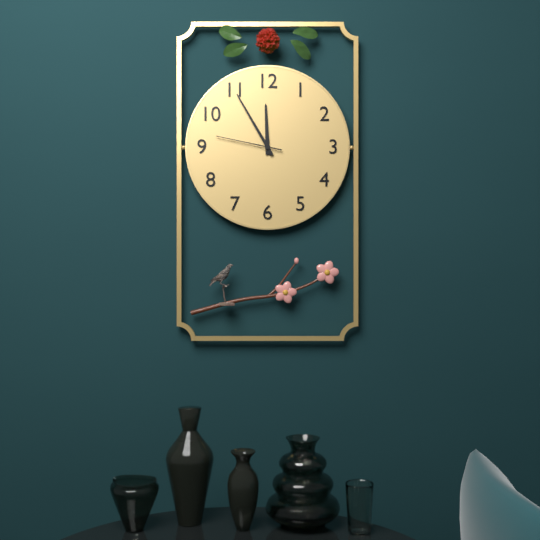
11:55:47
